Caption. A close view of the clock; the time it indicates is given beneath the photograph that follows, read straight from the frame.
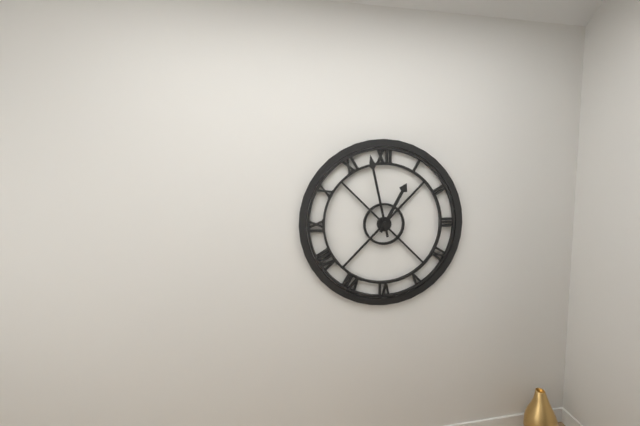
12:58
